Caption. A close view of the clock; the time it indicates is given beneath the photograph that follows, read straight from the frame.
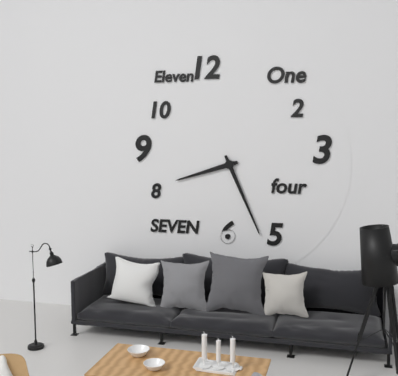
8:26
